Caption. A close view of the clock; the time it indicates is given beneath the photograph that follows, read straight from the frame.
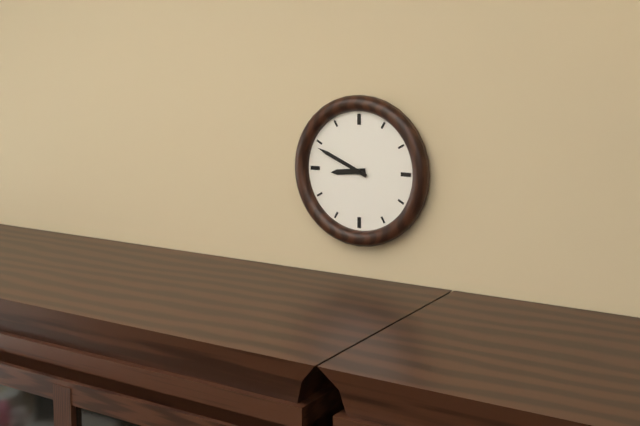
8:49
